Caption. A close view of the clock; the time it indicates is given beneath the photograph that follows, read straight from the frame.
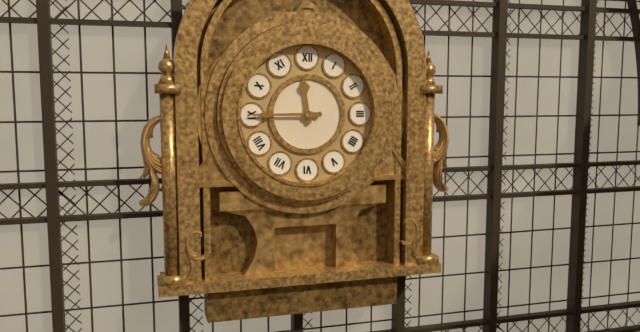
11:45
